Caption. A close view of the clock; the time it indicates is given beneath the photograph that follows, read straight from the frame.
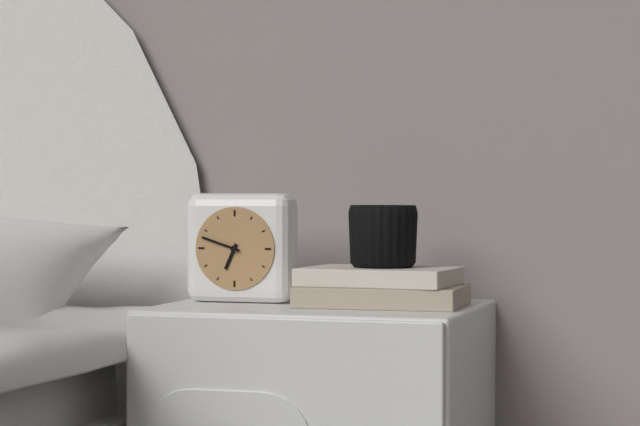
6:48
